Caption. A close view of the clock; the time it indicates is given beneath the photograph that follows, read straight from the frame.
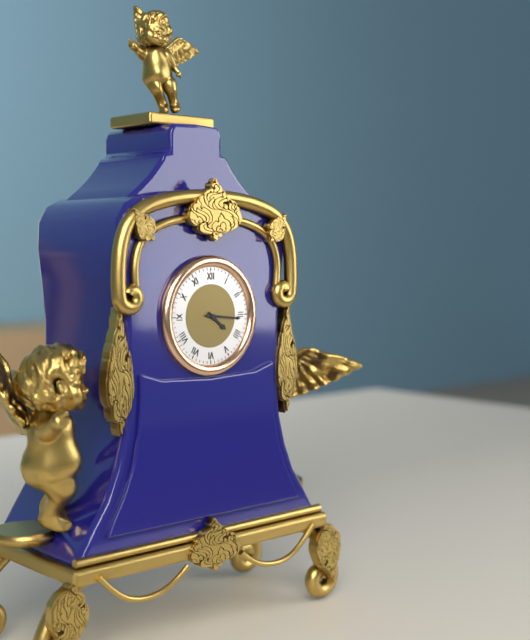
4:16
